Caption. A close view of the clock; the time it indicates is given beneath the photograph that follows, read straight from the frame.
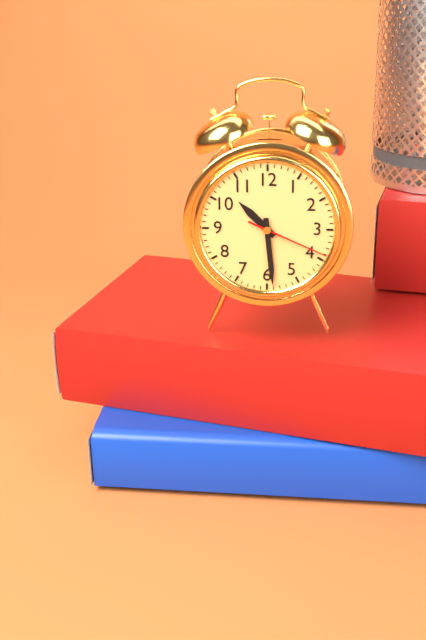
10:29:19
